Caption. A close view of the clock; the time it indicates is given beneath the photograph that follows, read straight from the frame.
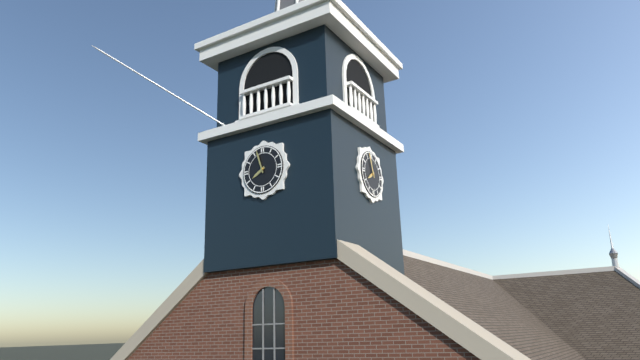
7:57
